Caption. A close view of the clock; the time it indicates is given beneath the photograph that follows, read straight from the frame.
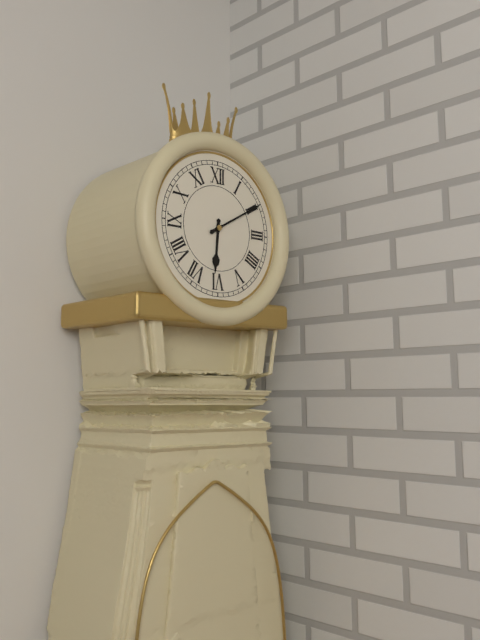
6:10
